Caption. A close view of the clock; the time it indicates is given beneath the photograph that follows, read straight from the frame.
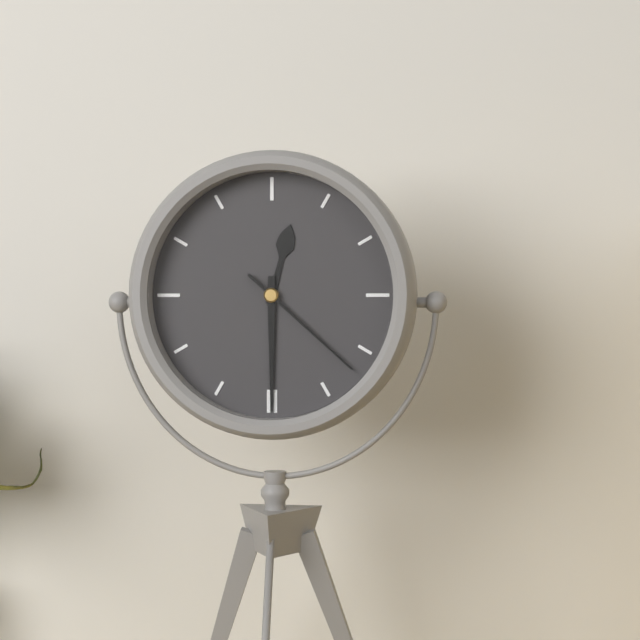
12:30:22
